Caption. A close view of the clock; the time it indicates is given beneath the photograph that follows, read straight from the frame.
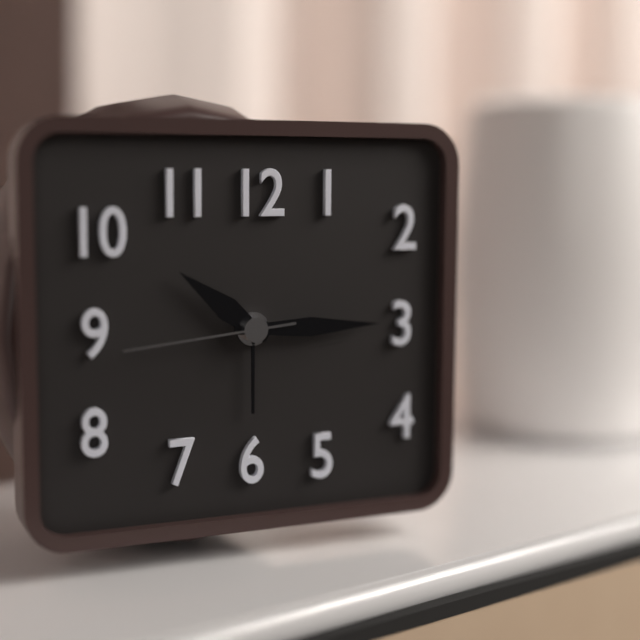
10:15:44
